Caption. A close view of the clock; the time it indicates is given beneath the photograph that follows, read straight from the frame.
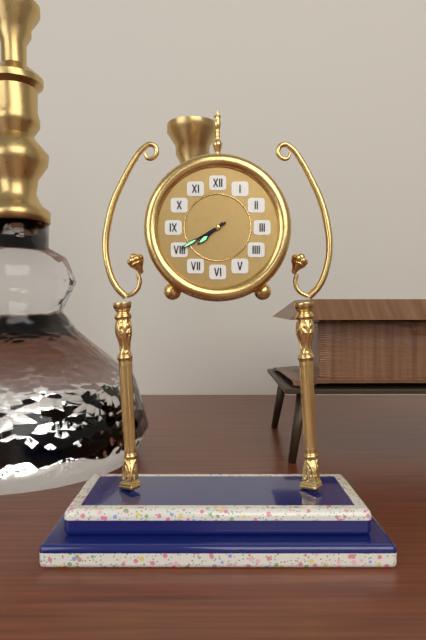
7:40
